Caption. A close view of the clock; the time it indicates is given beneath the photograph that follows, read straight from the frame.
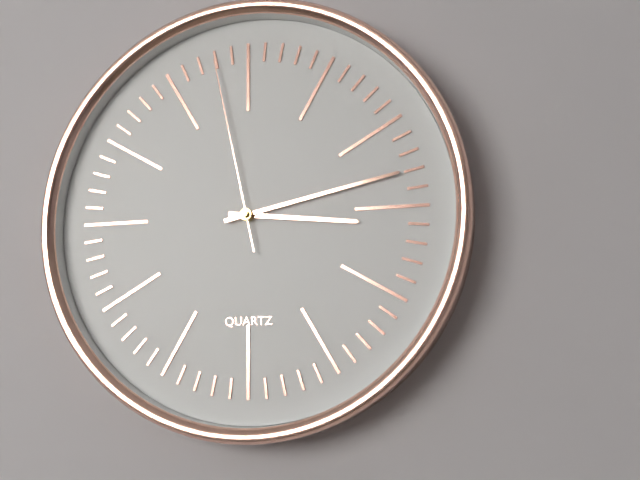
3:13:58
